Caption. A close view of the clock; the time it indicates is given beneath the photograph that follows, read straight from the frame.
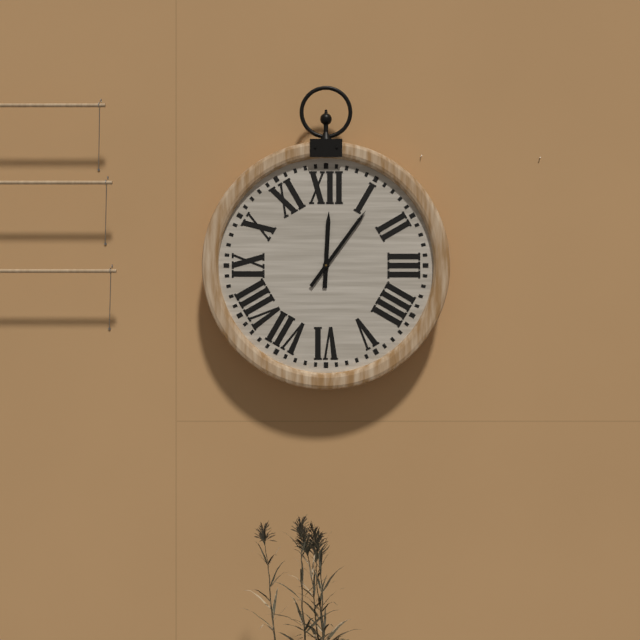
12:06
